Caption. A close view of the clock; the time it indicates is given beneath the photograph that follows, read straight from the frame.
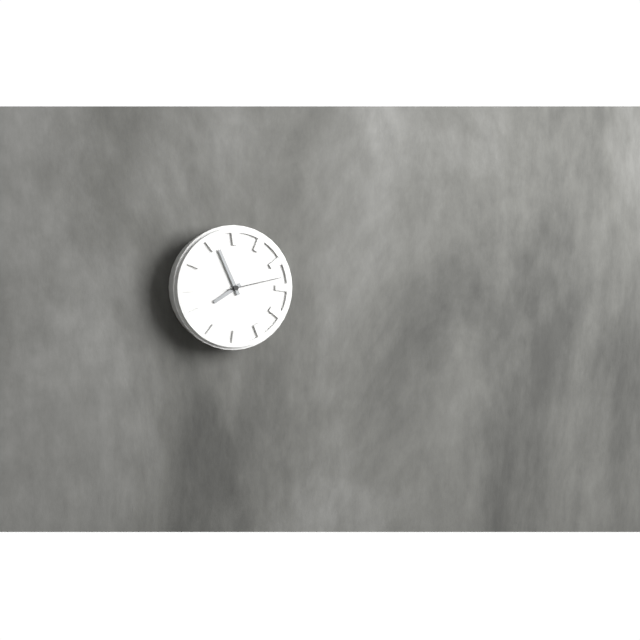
7:56:13
